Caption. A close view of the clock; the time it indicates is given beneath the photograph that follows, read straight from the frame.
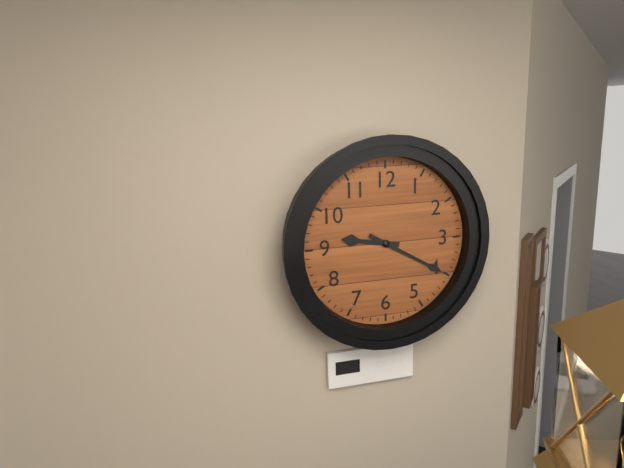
9:20
